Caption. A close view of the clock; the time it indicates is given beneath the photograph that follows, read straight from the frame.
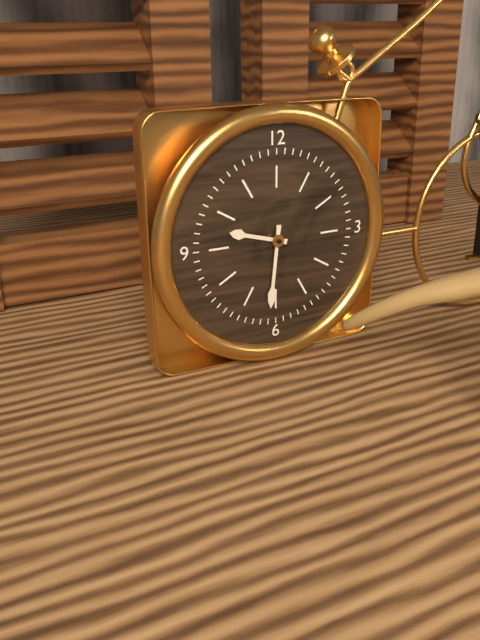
9:31
